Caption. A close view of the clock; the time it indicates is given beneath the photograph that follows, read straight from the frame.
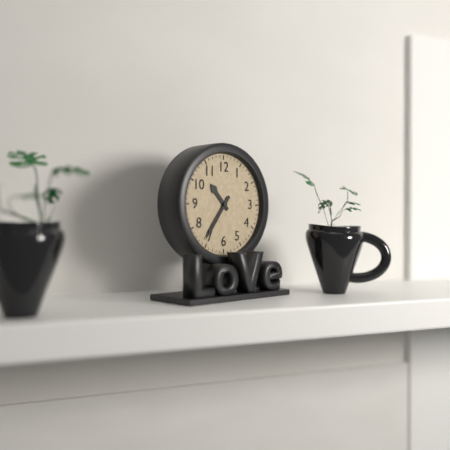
10:36
